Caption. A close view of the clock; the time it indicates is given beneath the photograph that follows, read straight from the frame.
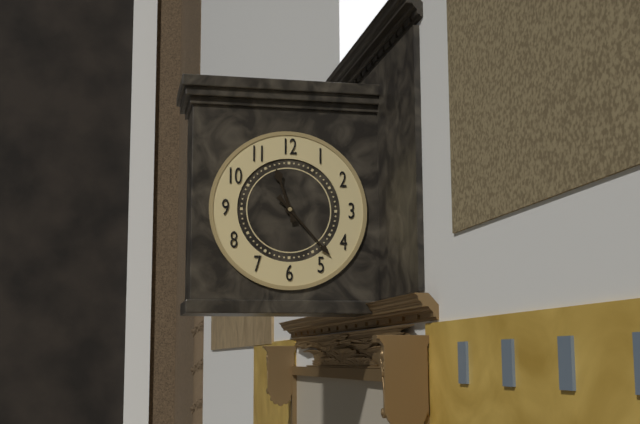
11:23
